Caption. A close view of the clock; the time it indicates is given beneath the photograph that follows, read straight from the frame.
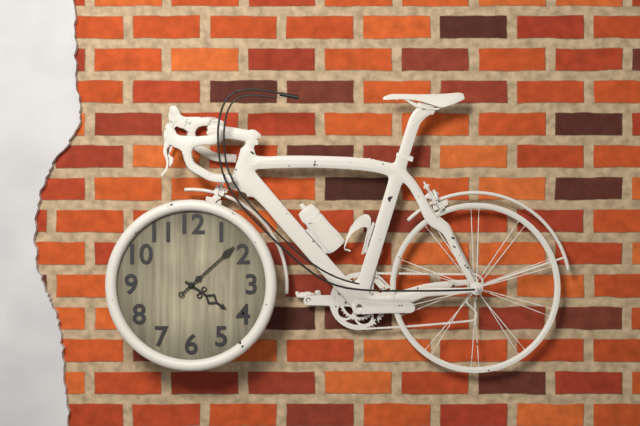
4:08
